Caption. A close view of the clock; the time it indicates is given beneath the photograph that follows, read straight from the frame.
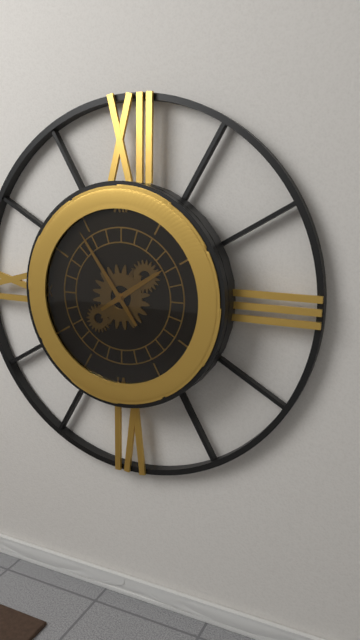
1:54
